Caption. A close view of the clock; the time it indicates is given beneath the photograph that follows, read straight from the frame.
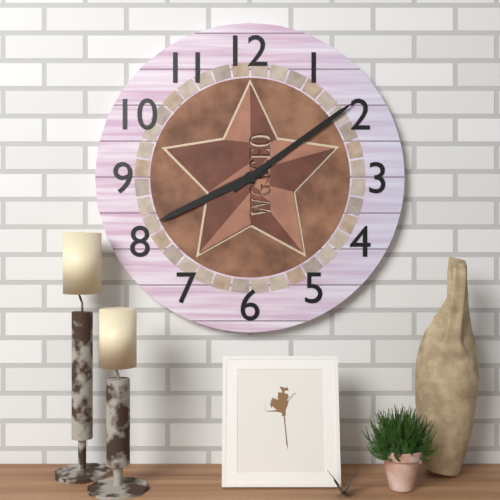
8:09
